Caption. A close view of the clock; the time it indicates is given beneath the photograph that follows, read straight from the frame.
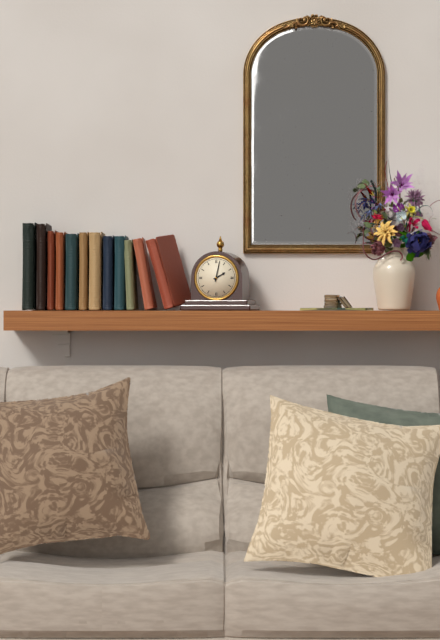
2:02
